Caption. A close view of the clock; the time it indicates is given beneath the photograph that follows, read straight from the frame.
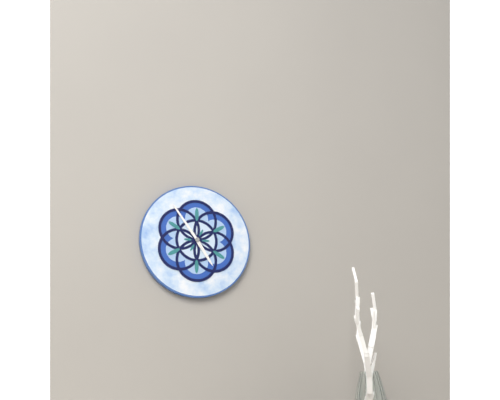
4:54
